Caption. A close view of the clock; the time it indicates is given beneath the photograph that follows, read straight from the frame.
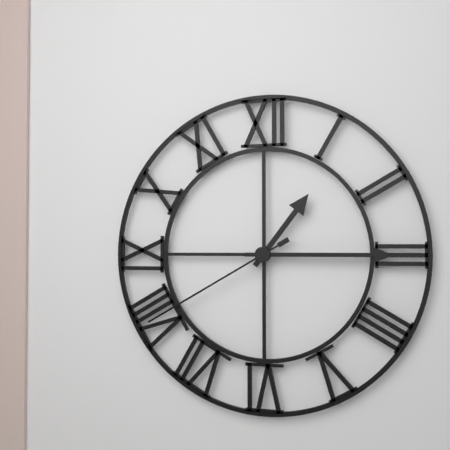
1:15:40
